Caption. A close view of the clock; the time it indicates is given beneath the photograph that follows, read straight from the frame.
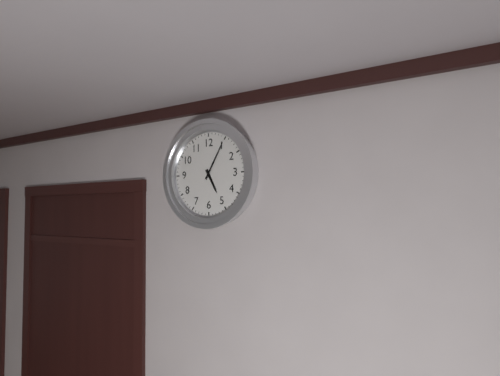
5:05
